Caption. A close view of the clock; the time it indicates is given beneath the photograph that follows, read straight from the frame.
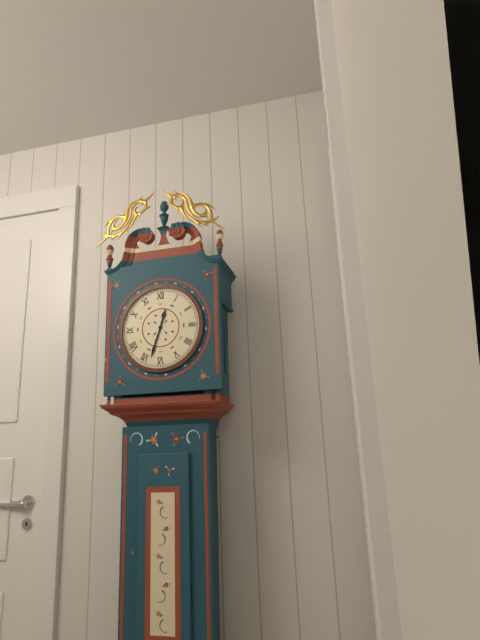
12:33
